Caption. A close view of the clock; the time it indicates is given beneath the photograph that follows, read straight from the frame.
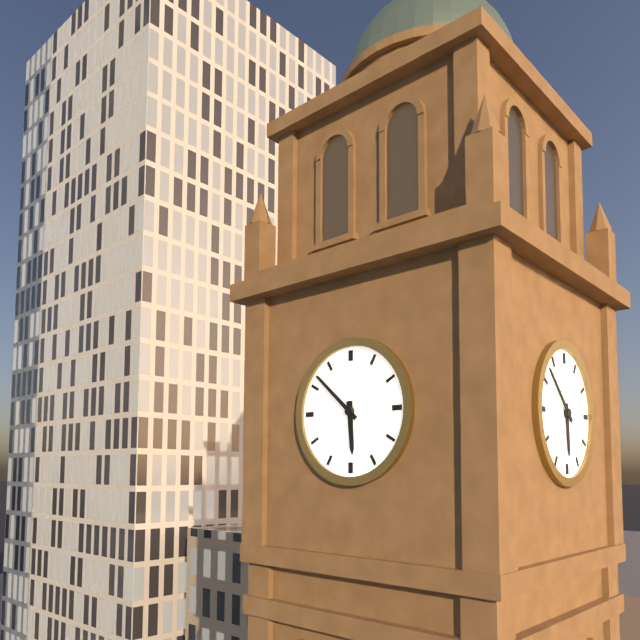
5:52
